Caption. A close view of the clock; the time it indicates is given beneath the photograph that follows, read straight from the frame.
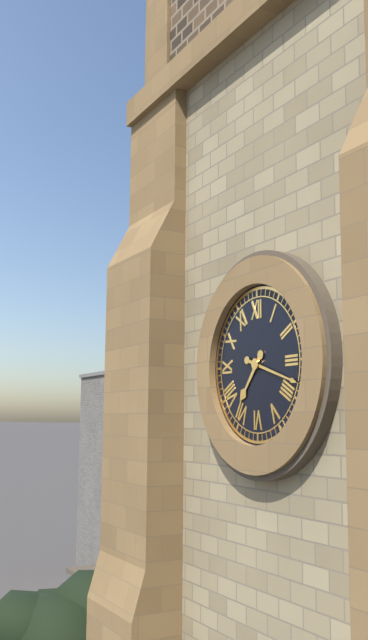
7:18
